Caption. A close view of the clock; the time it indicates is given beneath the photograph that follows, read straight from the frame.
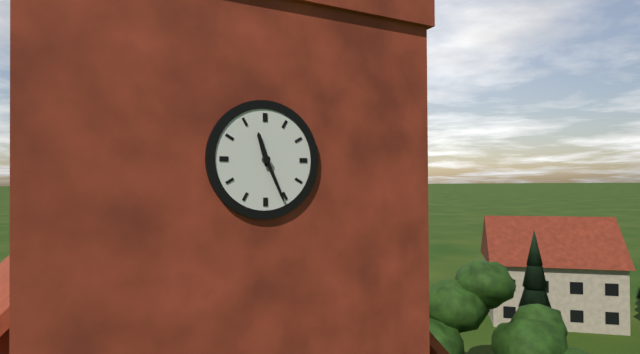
11:26
